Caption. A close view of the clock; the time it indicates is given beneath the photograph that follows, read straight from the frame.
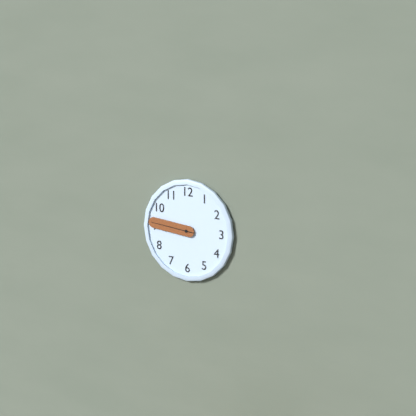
8:46
